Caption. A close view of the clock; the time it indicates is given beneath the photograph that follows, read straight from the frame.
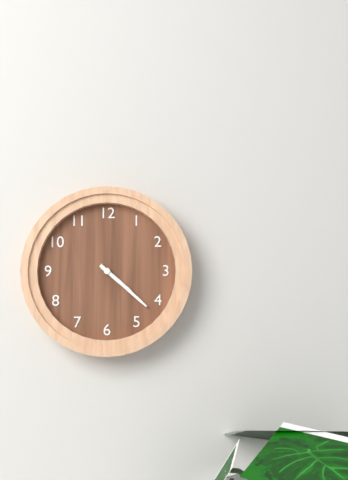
4:22
